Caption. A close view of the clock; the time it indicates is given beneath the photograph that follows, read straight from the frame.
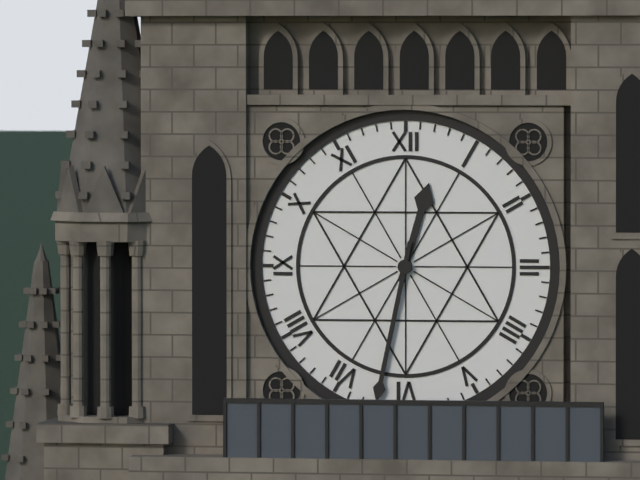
12:32
